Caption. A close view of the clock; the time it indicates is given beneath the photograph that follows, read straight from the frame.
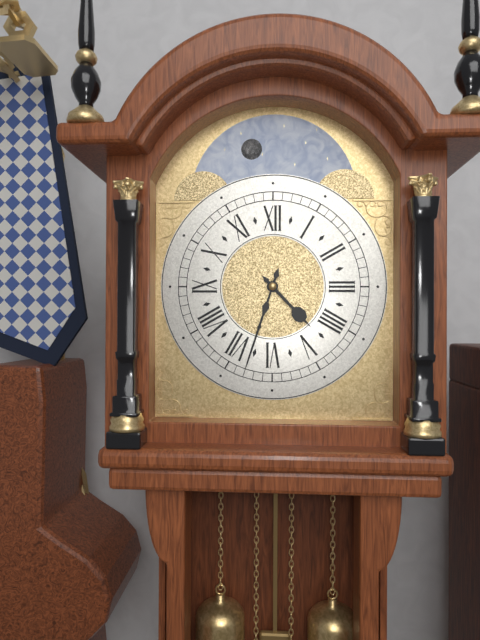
4:33
